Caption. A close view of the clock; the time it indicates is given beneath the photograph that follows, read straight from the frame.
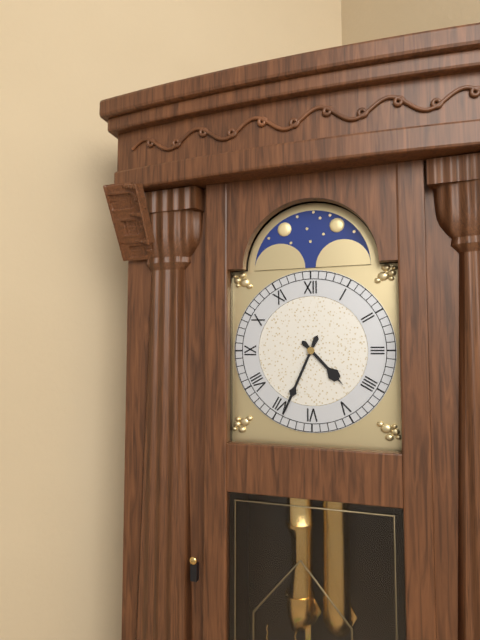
4:34
